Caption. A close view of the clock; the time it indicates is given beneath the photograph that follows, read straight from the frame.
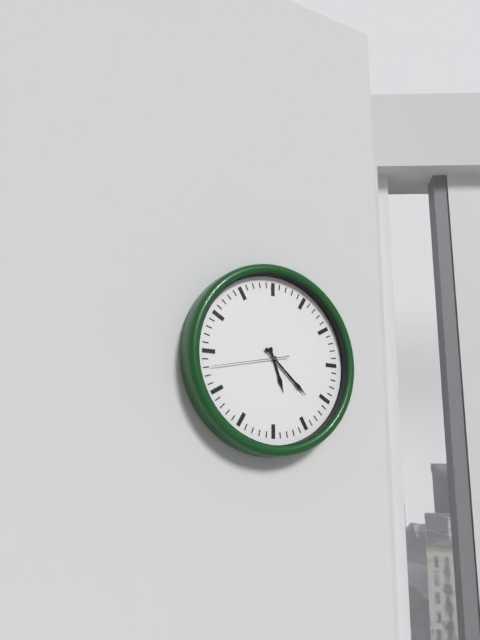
5:22:43
